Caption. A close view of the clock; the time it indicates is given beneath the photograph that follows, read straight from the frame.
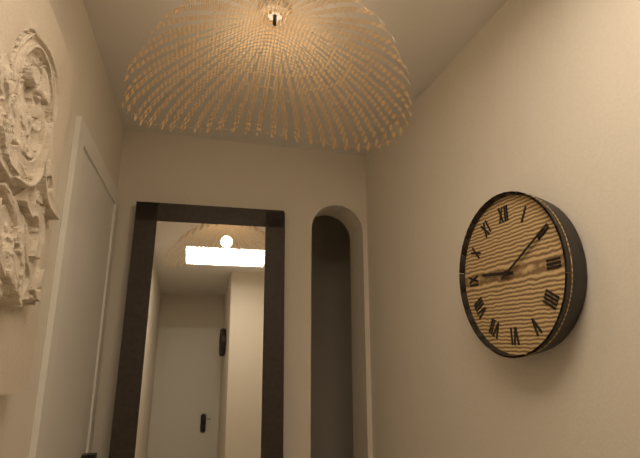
9:10
